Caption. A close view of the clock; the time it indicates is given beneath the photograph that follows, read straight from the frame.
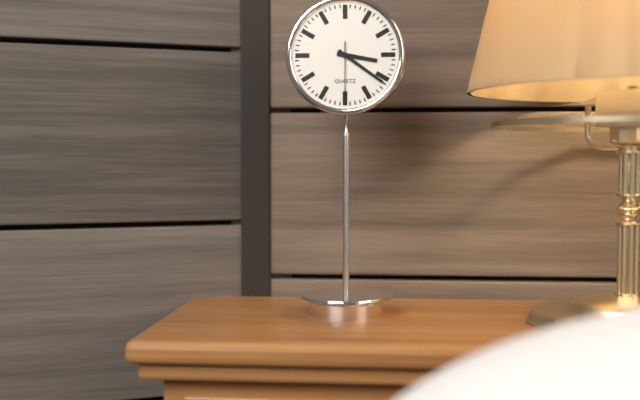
3:21:30
